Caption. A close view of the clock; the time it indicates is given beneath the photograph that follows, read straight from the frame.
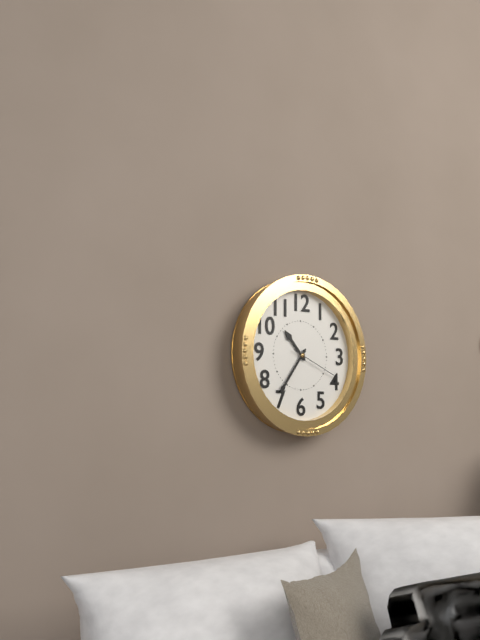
10:36:19
